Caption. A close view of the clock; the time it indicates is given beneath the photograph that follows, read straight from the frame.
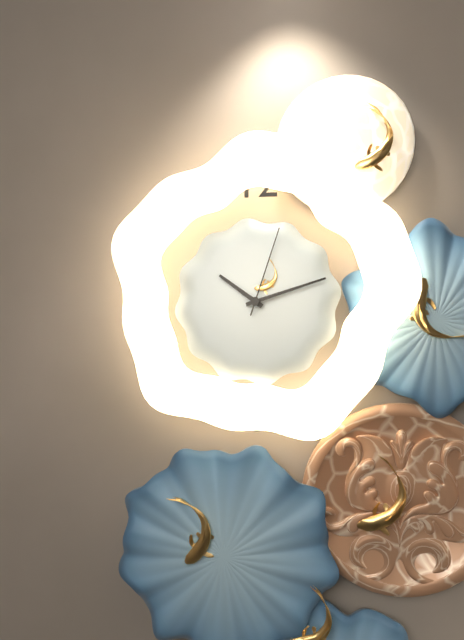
10:12:03
